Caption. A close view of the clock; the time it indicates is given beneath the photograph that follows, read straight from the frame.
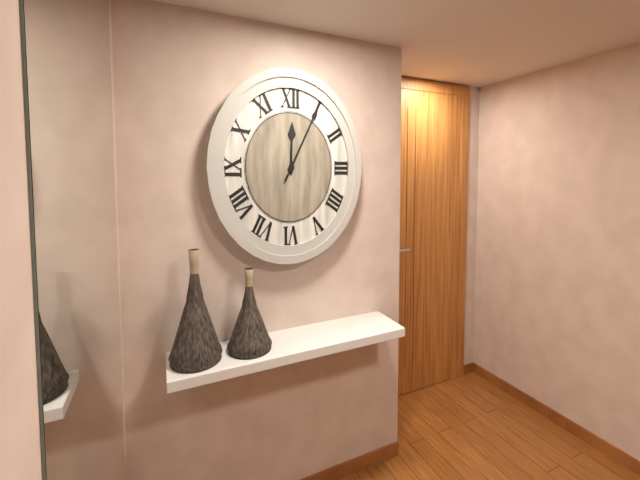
12:05
